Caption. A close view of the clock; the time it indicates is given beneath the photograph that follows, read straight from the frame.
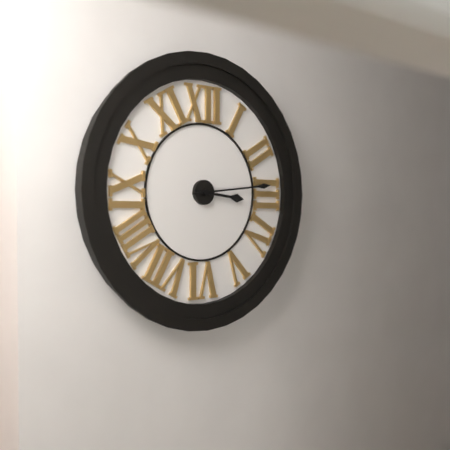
3:14
